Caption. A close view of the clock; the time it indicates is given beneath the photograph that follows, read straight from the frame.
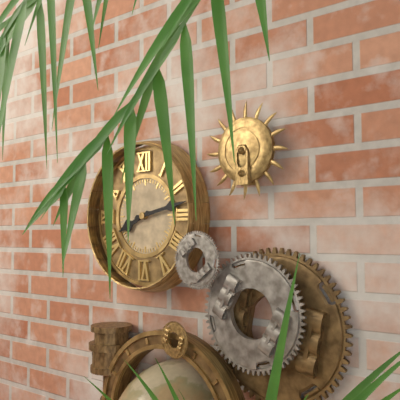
8:13
